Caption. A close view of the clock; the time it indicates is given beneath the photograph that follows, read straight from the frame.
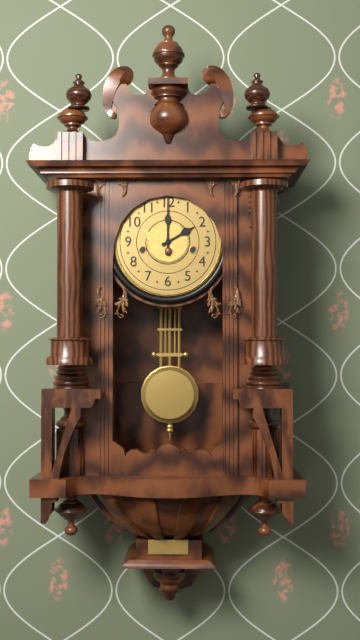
2:00
